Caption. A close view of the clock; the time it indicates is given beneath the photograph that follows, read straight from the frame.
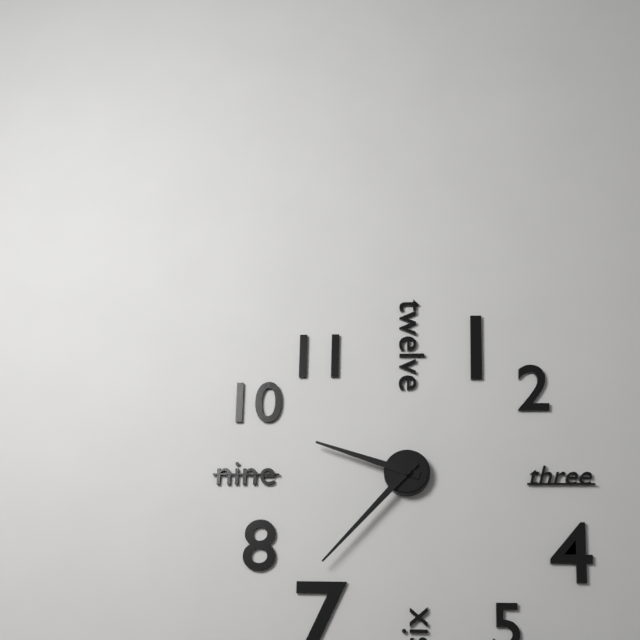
9:37
